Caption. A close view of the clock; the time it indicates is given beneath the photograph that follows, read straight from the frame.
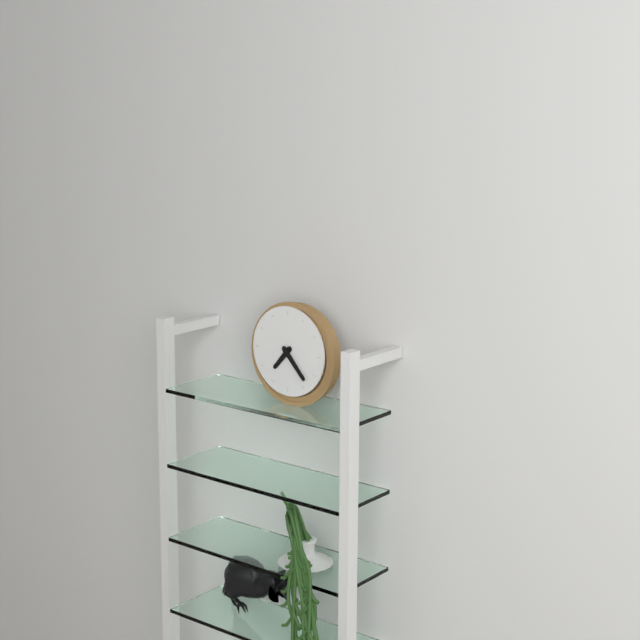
7:23
